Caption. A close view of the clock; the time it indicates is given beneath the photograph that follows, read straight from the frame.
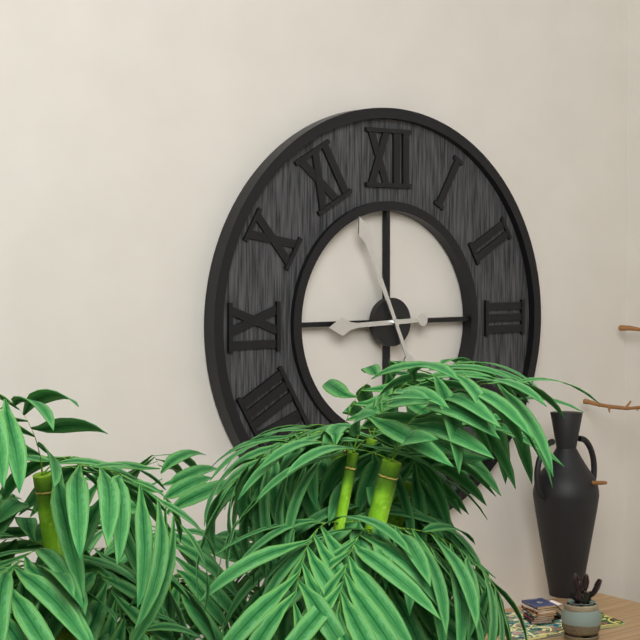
8:56
